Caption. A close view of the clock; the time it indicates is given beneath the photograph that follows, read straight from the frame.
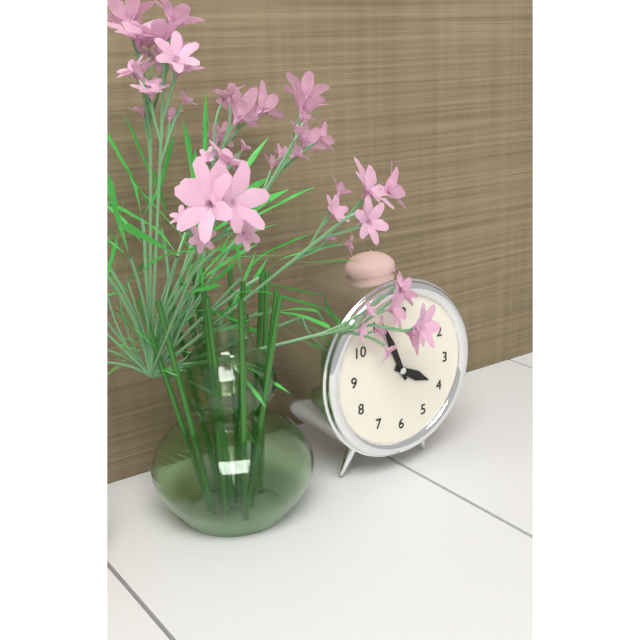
3:56
